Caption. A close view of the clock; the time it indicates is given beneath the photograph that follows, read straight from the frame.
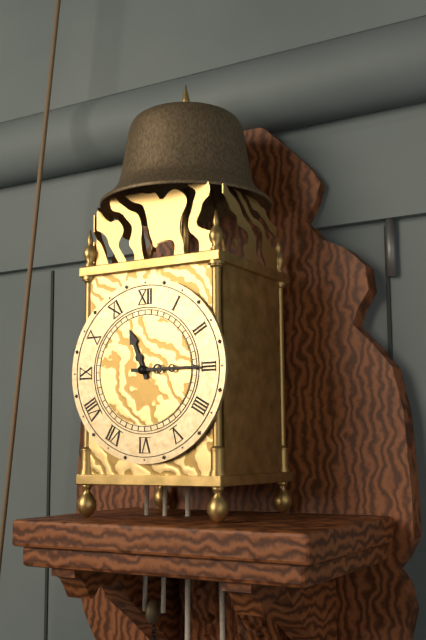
11:15
